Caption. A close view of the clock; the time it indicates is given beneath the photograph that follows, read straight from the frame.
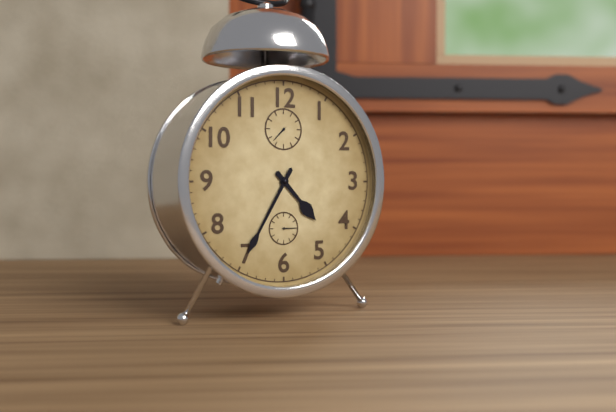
4:35
